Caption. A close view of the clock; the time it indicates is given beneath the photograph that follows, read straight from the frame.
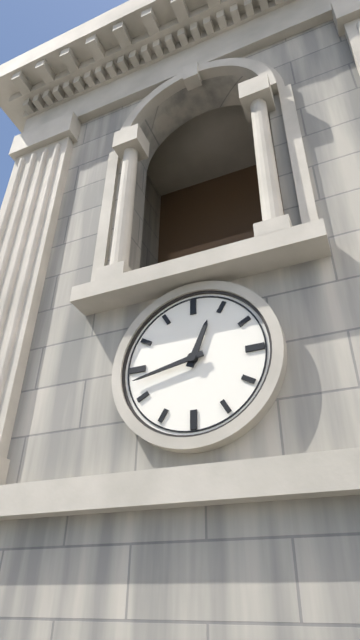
12:43
